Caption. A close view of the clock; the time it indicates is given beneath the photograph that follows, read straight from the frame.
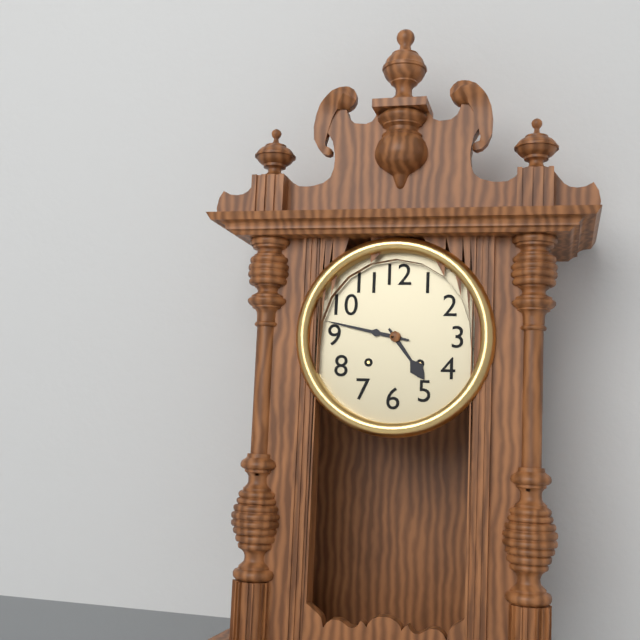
4:47
